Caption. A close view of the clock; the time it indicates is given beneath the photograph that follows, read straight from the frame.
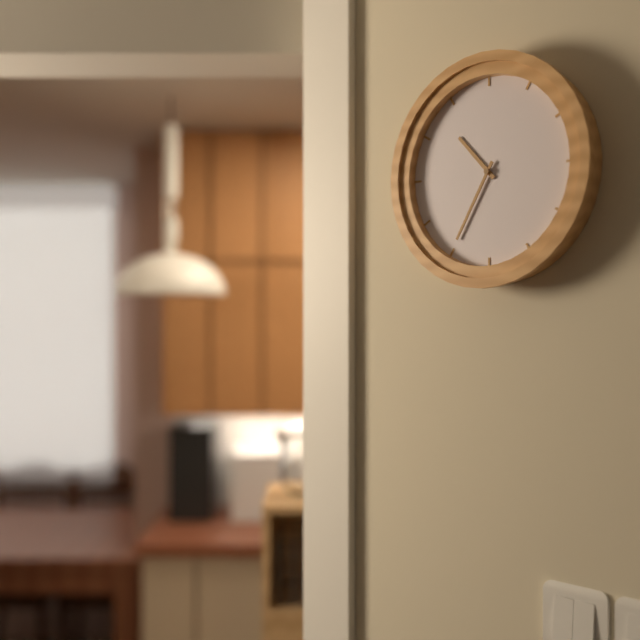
10:35
